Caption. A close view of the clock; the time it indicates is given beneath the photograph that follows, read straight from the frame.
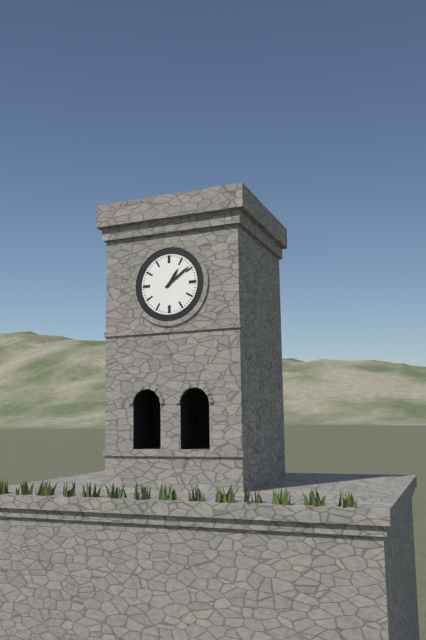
1:09
